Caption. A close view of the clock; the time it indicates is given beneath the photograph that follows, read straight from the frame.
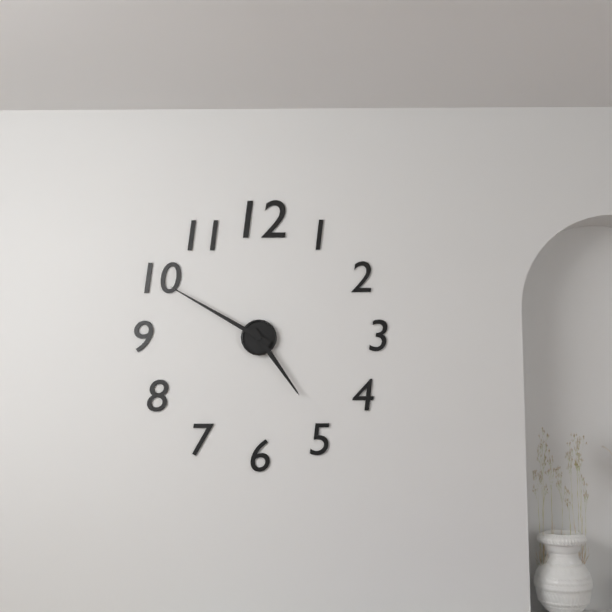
4:50
